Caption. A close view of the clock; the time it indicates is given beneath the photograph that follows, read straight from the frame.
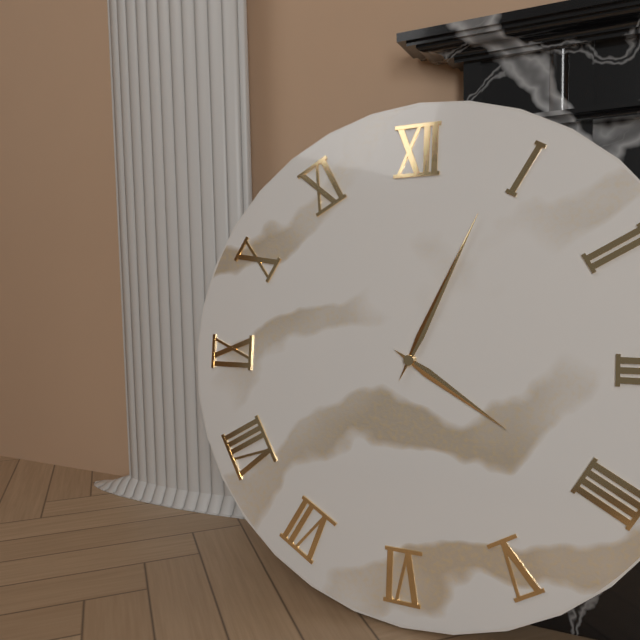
4:04
